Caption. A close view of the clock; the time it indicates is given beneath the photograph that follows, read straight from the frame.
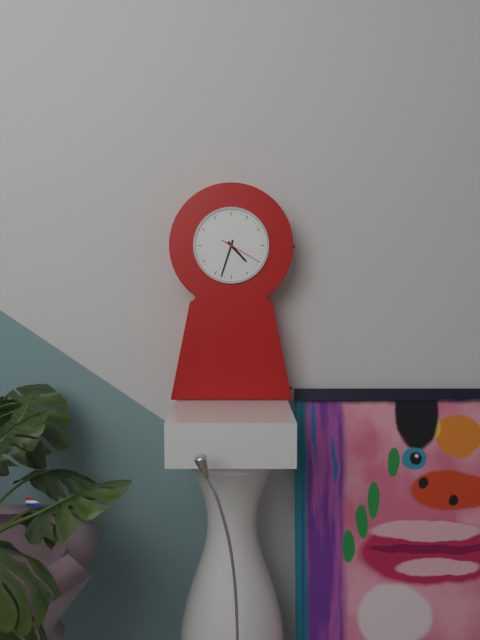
4:33
